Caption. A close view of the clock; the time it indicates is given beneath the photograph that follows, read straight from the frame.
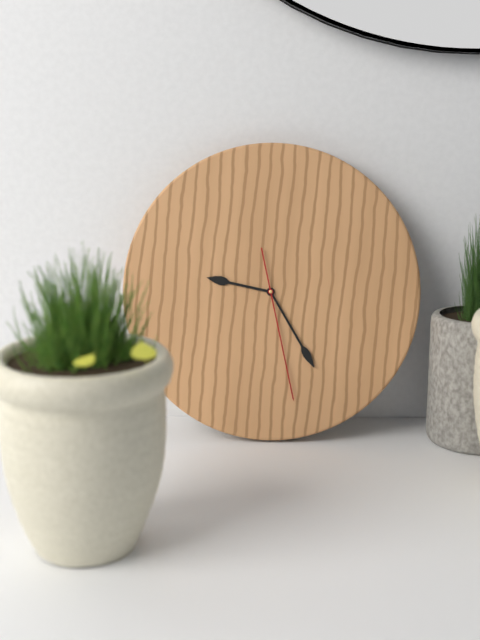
9:25:28
